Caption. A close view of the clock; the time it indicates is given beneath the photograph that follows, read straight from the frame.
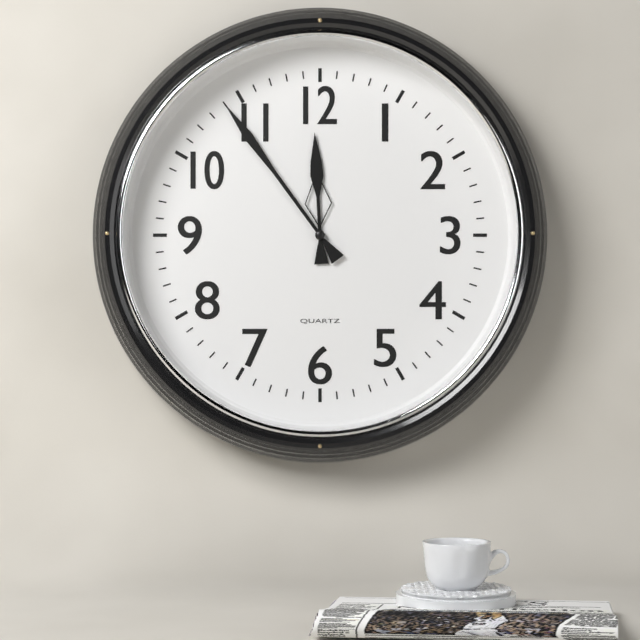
11:54
